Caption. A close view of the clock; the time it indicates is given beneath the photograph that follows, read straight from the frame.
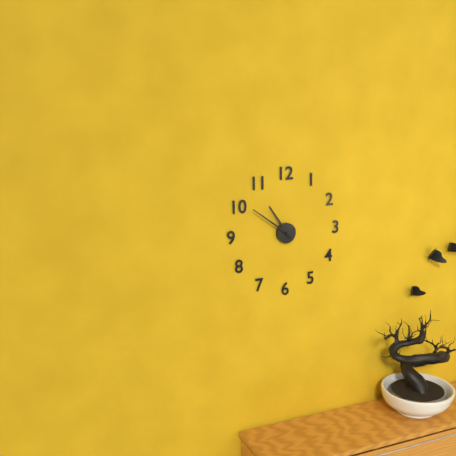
10:51
